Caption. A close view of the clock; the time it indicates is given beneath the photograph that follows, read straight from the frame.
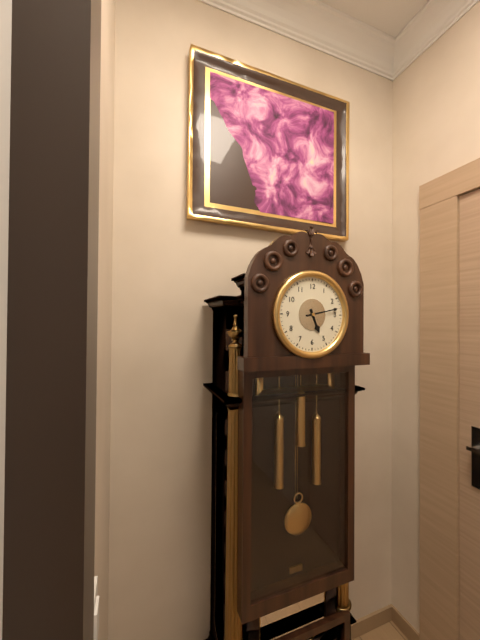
5:13
